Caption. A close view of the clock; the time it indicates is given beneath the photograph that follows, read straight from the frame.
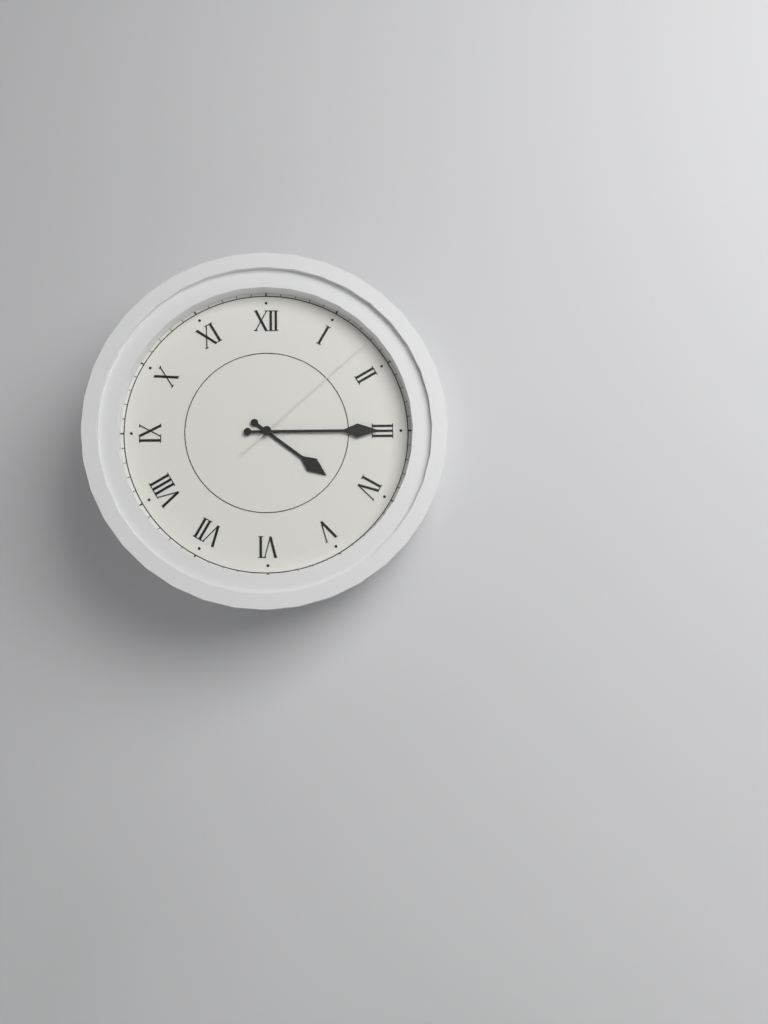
4:15:08
